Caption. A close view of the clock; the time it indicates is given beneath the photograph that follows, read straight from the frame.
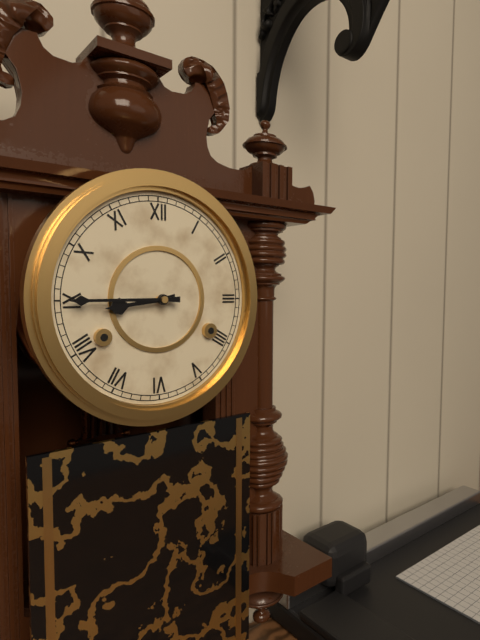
8:45
